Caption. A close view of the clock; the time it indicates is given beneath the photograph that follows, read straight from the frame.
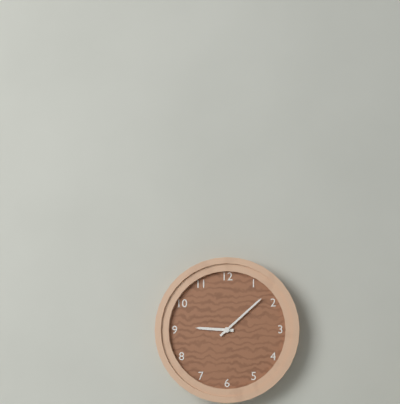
9:08
